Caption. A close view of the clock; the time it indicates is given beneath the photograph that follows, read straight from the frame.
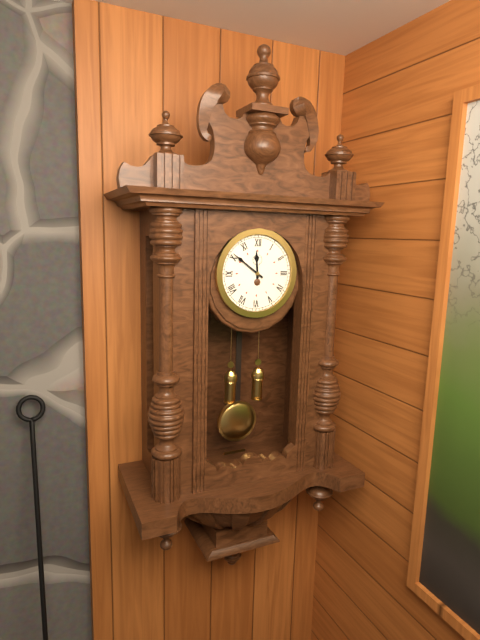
11:51
